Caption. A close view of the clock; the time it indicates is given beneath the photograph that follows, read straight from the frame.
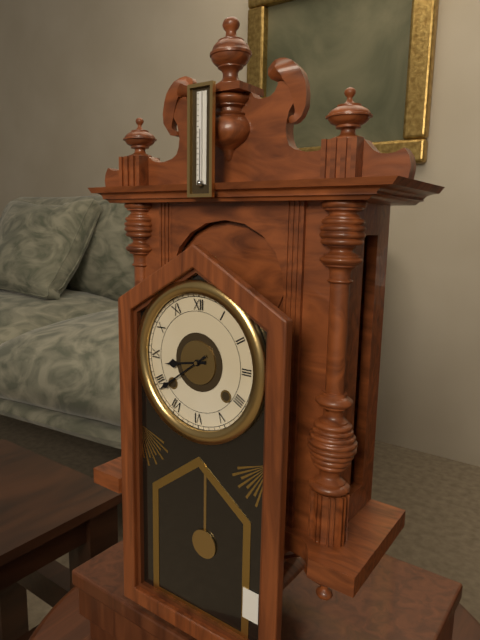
8:39
